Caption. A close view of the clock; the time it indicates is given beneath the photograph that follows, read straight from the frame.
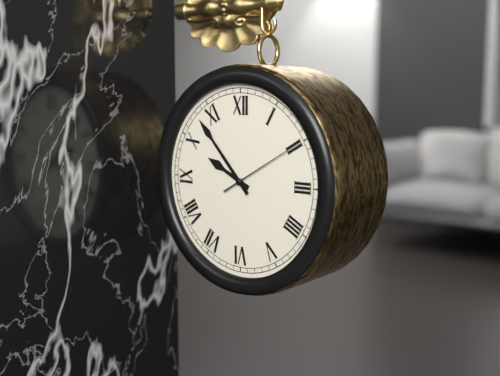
9:53:10
